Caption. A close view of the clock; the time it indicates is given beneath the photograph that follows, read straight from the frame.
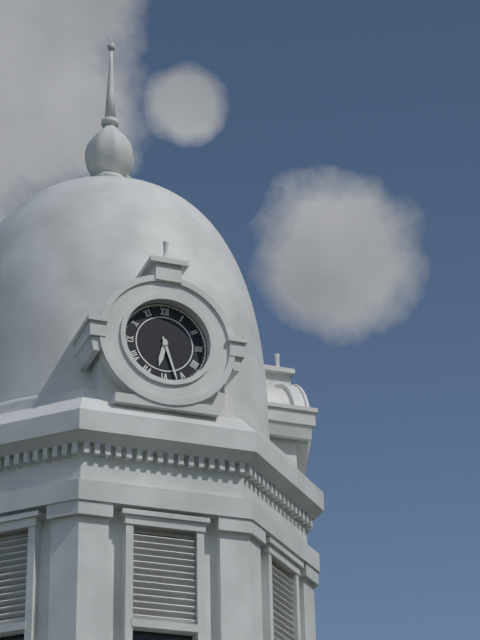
6:27
